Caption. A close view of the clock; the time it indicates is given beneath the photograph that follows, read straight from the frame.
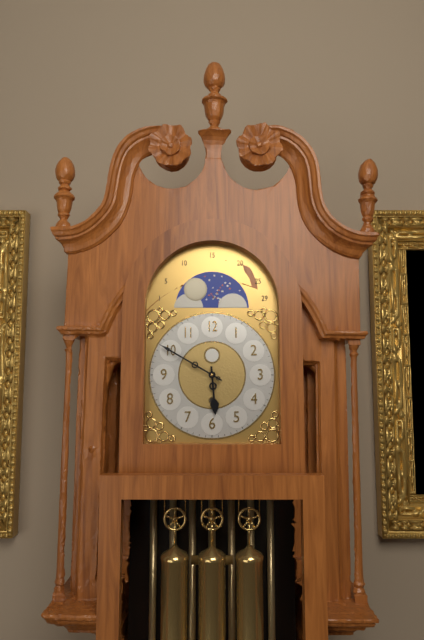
5:50
